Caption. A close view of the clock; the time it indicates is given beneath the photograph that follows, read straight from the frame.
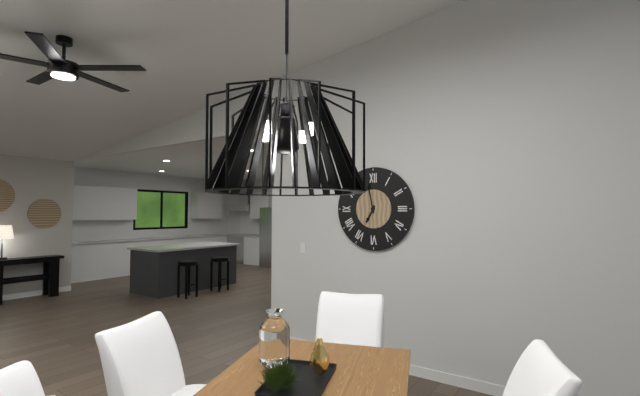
6:58
